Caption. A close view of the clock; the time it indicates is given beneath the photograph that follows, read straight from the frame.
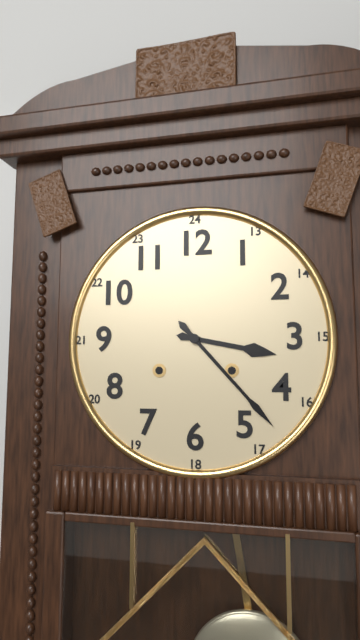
3:23
